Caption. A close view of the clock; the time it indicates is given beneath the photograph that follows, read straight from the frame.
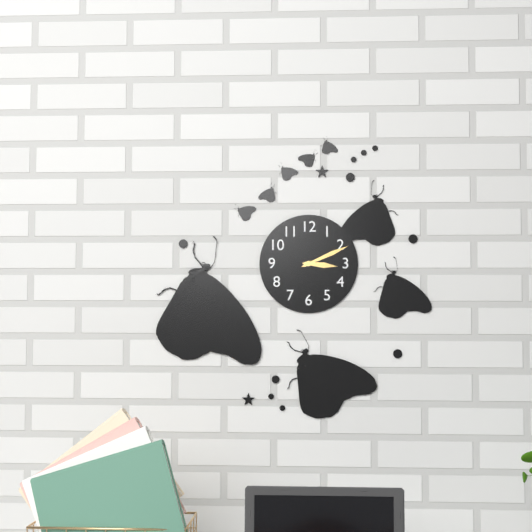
3:11
